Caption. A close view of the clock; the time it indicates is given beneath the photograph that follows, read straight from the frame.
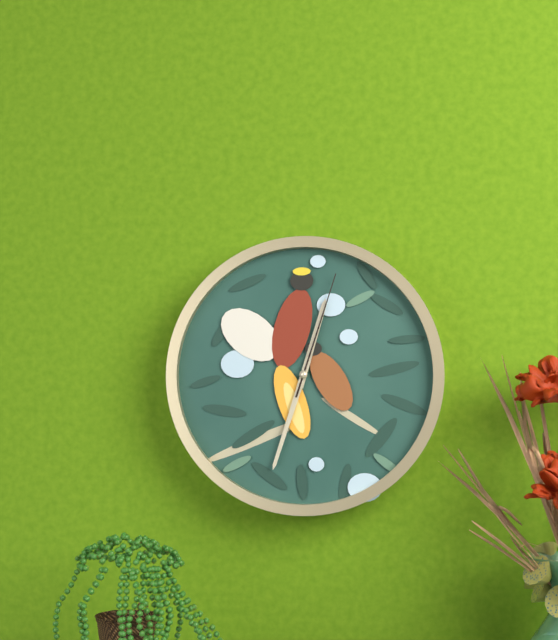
12:33:03
